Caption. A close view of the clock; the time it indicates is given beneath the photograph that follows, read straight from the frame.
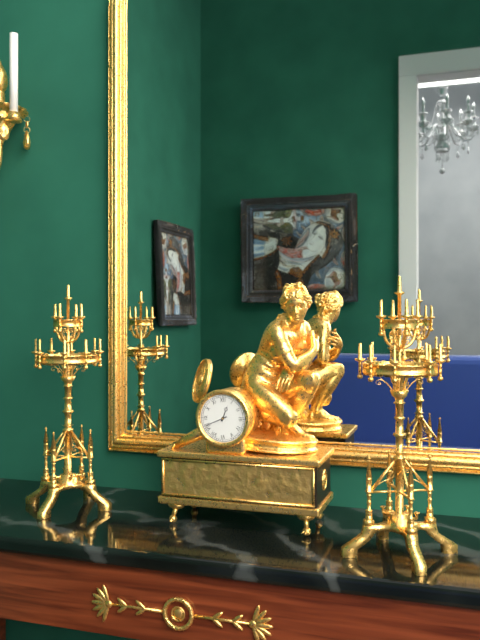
12:41
